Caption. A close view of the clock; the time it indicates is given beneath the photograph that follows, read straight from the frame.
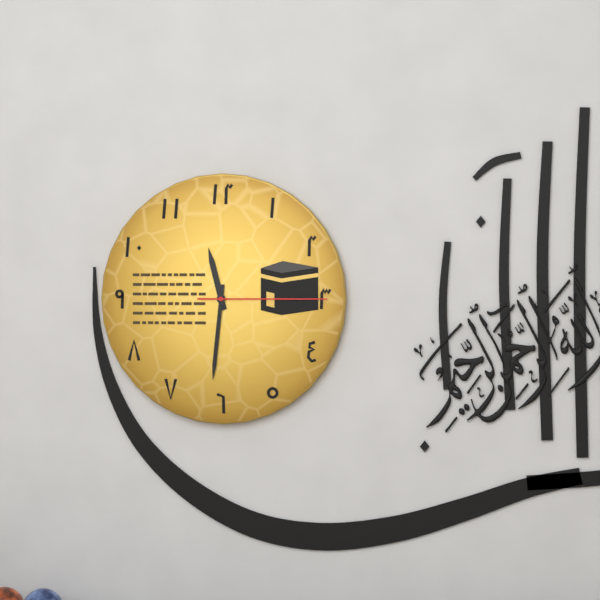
11:31:15
